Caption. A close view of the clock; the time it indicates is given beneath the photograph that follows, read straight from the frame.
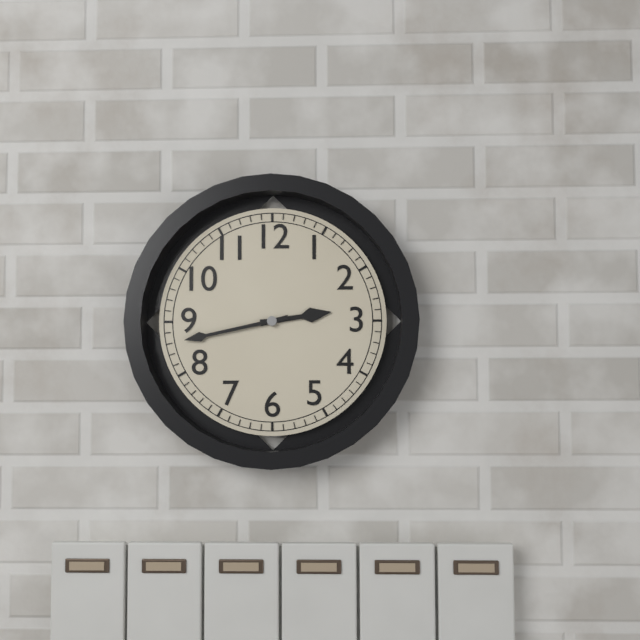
2:43
